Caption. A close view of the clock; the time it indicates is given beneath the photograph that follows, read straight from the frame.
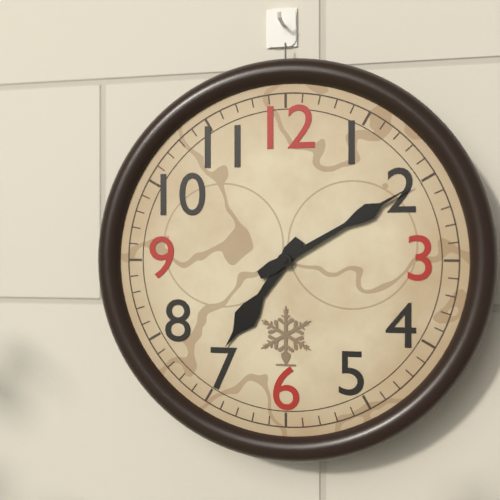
7:10
